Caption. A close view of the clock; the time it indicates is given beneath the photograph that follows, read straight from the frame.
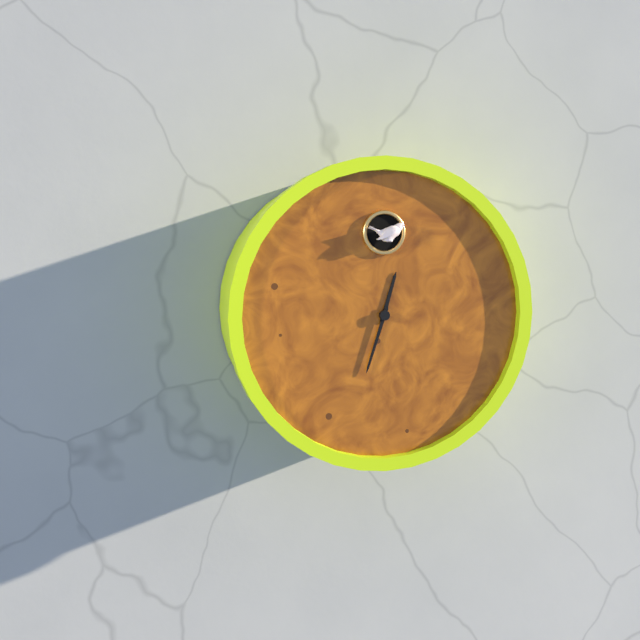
12:33
